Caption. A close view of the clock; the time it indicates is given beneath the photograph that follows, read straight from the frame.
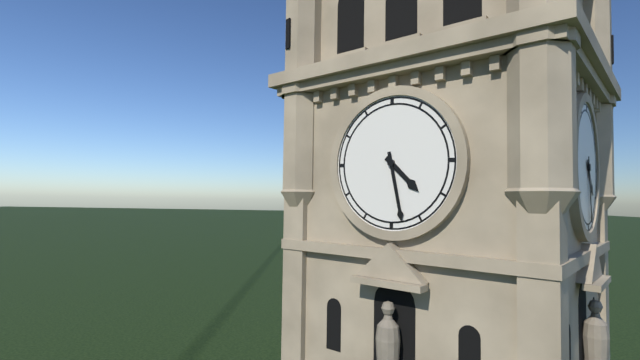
4:28
